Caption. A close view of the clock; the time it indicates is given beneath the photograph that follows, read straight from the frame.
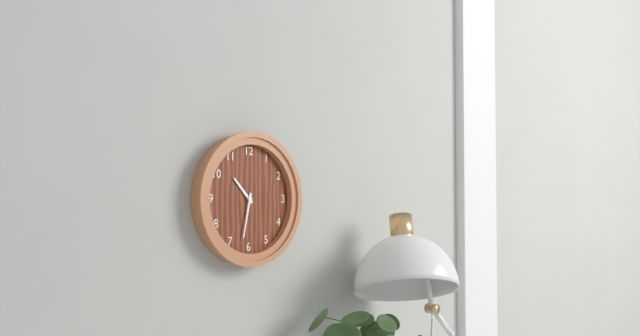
10:32
